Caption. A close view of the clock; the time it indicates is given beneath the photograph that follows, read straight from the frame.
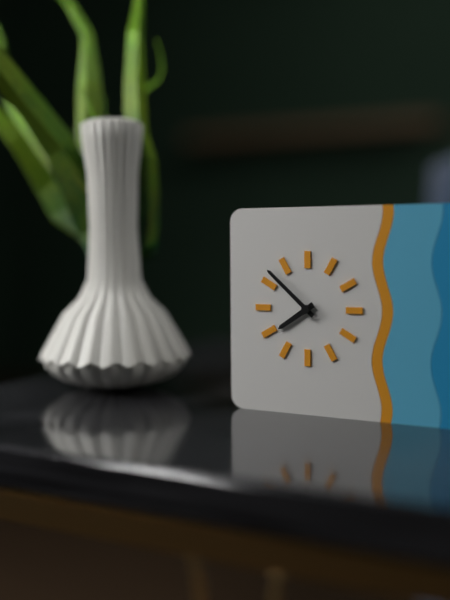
7:52
